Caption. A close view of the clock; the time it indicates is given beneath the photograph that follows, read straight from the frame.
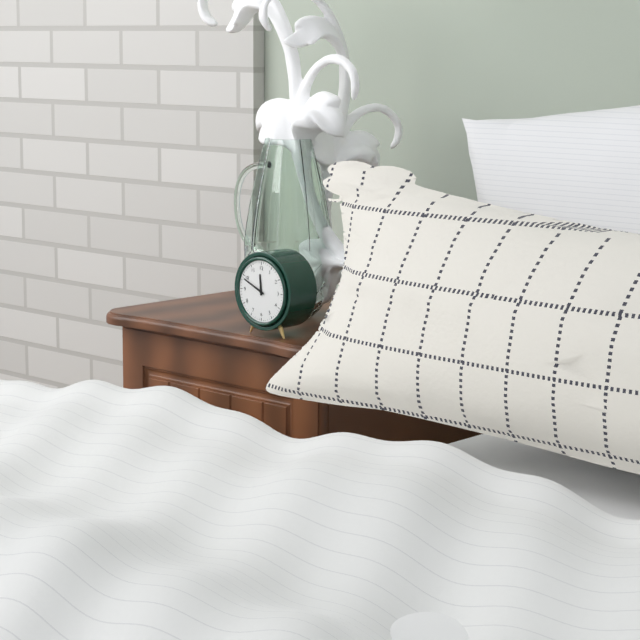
11:49
